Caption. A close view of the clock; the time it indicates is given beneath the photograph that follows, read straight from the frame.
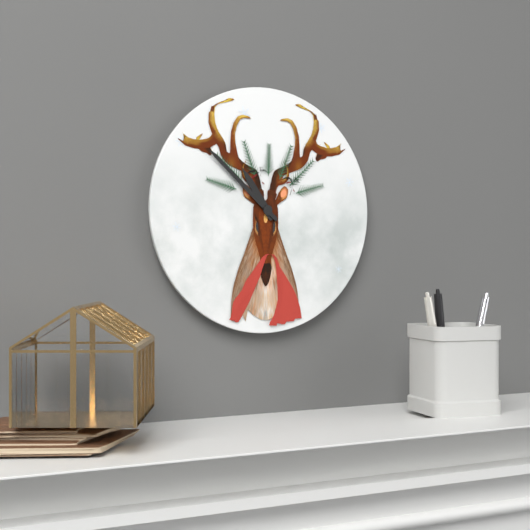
10:52
